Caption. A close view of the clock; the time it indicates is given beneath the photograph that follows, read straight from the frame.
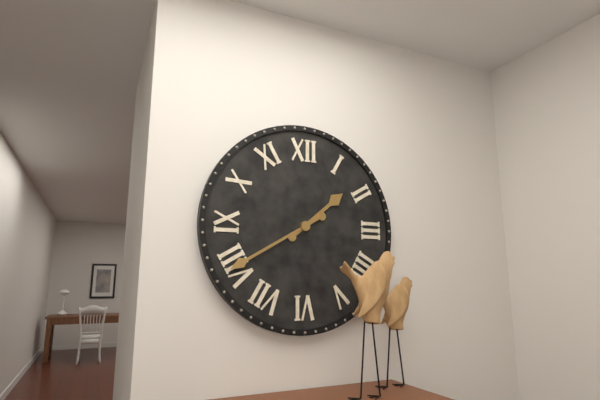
1:40
